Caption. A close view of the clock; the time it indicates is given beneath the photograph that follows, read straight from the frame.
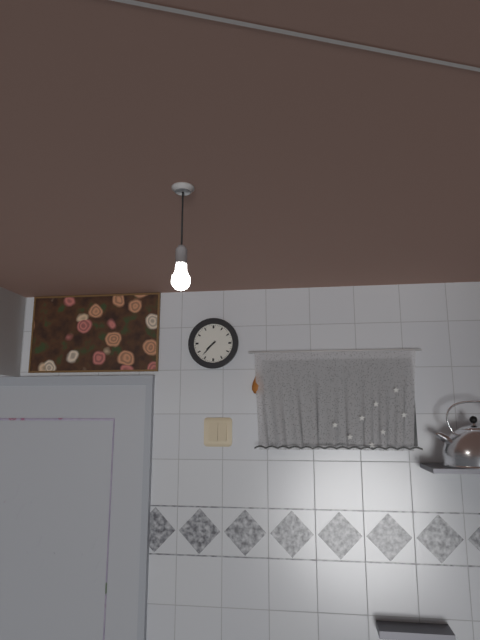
7:37
